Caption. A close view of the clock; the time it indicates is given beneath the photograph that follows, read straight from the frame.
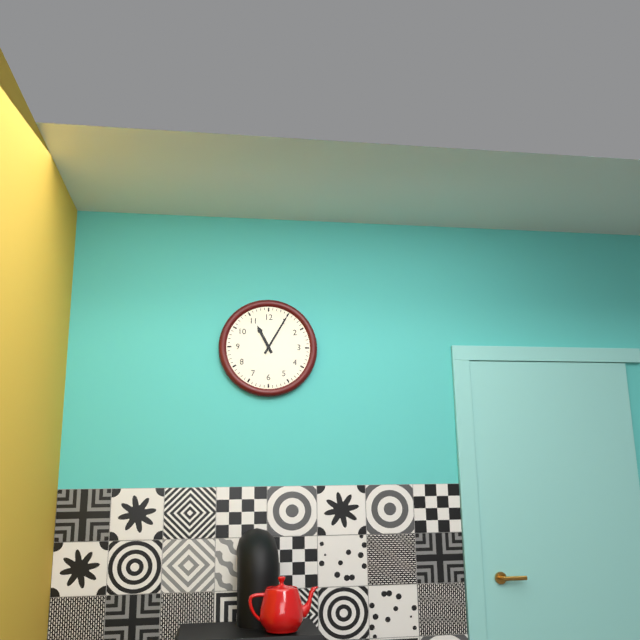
11:05
